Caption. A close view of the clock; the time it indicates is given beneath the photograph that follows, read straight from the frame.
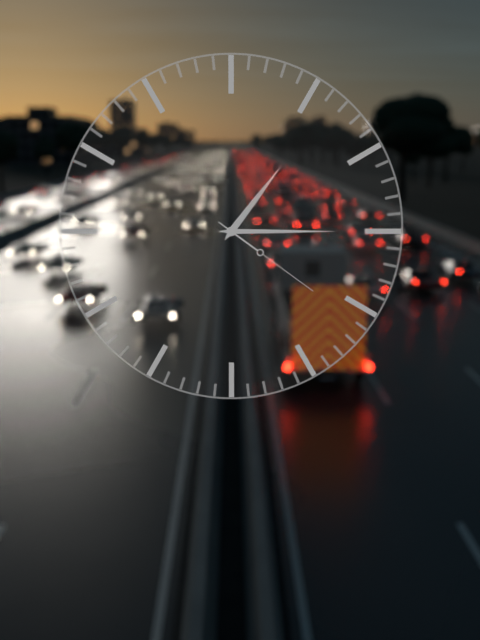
1:15:21
